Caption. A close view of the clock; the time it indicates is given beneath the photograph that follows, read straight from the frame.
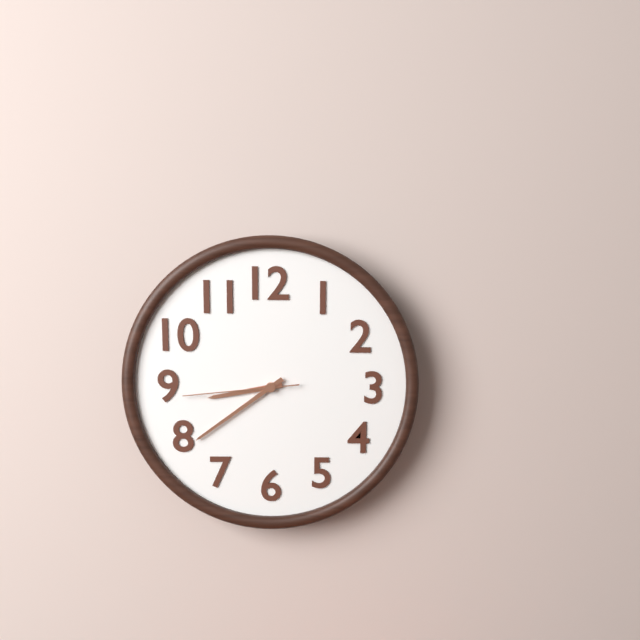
8:39:44
